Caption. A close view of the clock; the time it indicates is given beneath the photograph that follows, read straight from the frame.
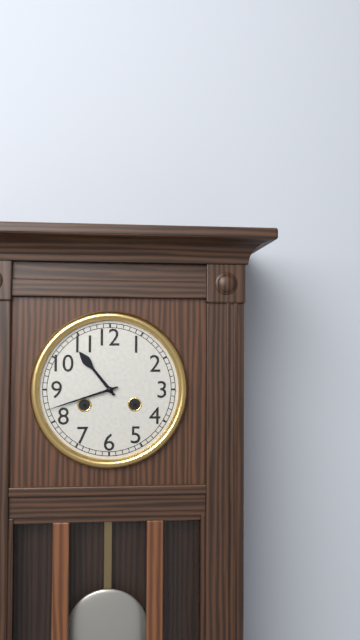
10:42
